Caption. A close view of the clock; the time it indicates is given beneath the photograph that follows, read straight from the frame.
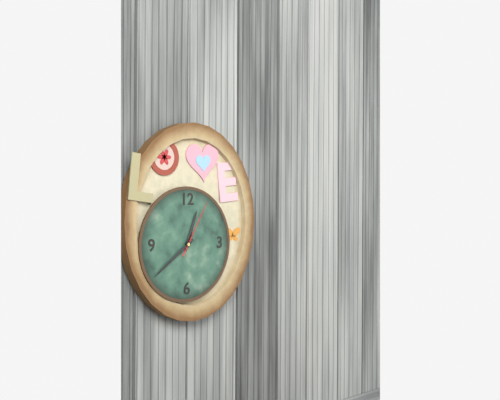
12:39:05
